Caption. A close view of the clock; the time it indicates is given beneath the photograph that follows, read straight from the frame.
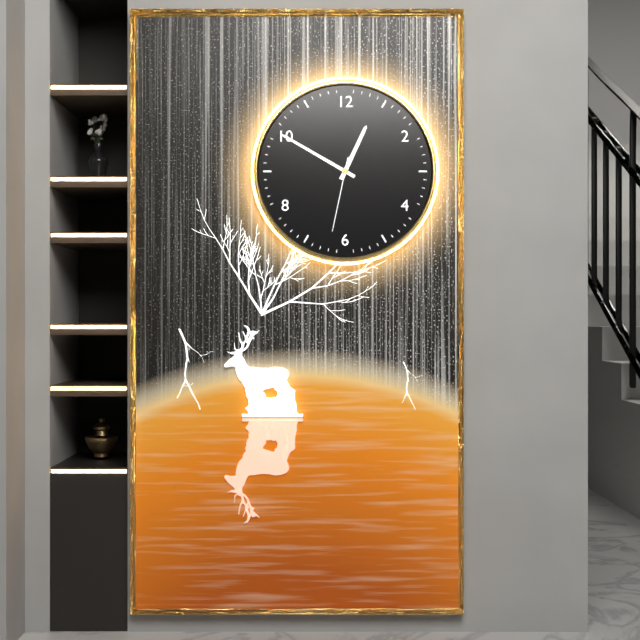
12:50:32
